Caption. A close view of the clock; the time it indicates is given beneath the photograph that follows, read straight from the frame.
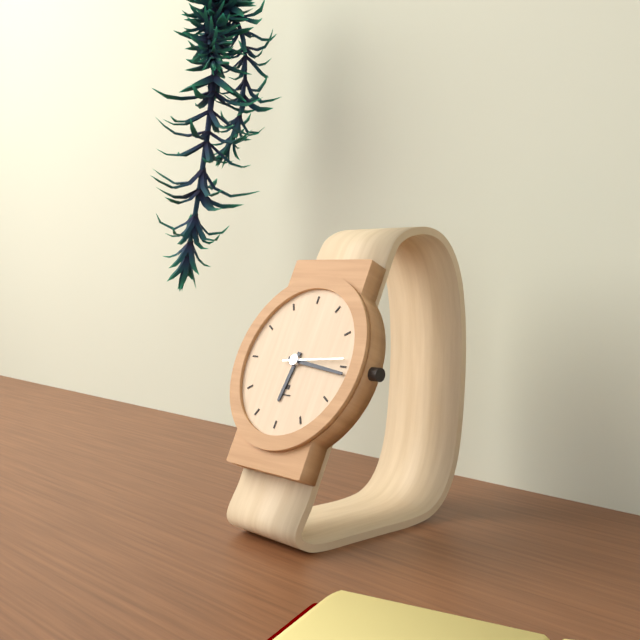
6:16:14
